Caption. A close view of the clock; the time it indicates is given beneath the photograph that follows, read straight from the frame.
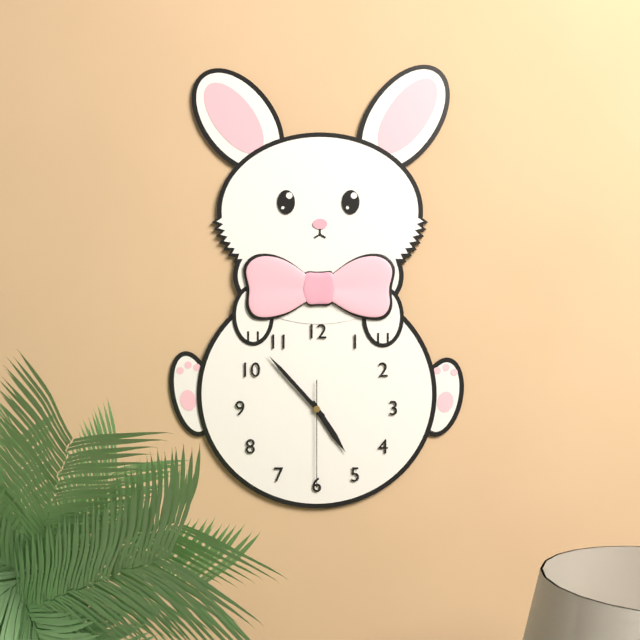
4:53:30
